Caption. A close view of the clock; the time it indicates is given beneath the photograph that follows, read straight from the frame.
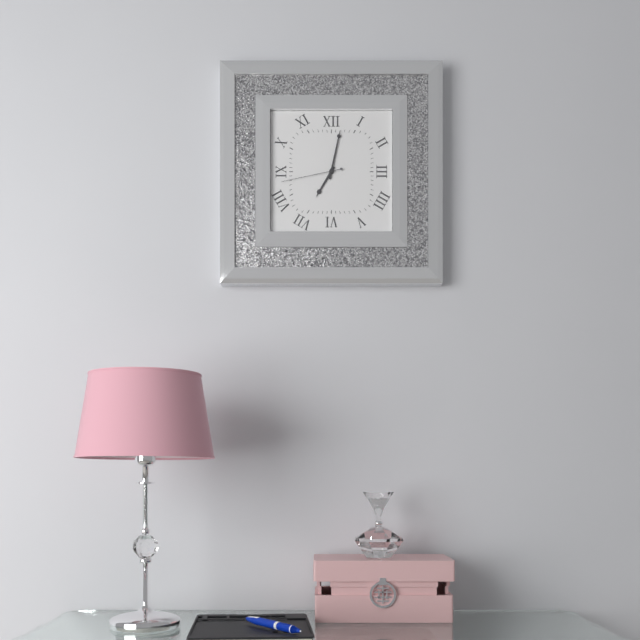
7:02:43
